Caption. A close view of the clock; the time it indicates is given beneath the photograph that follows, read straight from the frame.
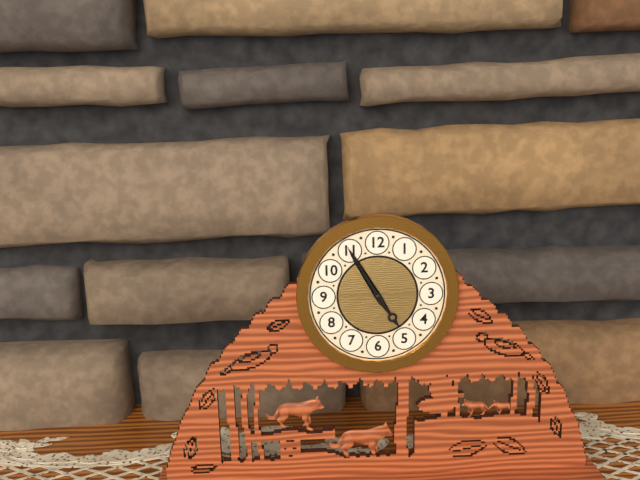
4:55
